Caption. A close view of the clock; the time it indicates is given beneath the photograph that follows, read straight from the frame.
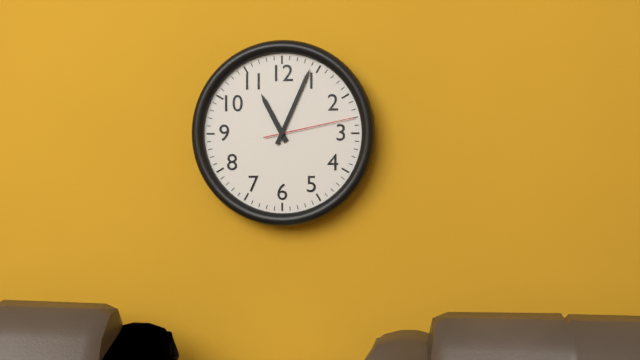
11:04:13
